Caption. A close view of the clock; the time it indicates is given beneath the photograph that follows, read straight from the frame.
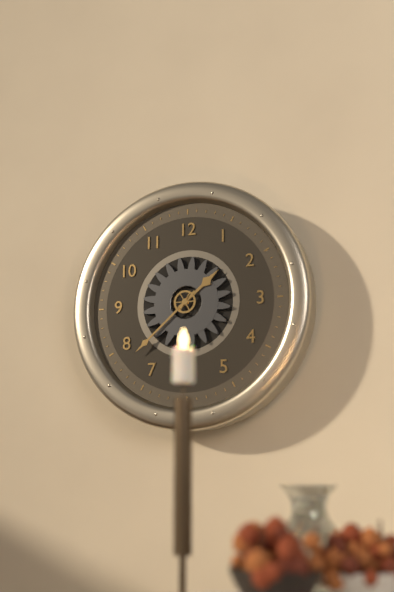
1:38
